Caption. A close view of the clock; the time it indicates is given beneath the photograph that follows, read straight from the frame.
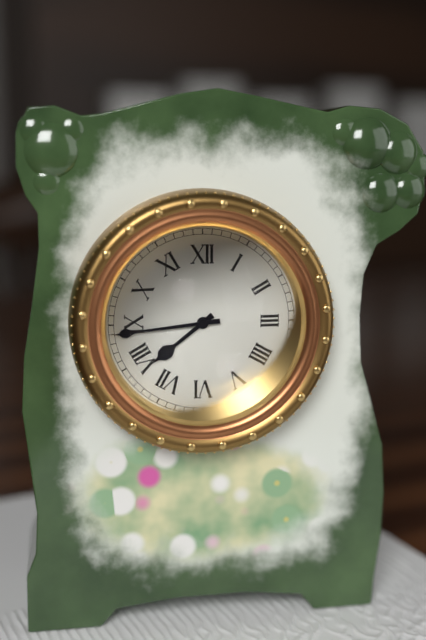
7:44
